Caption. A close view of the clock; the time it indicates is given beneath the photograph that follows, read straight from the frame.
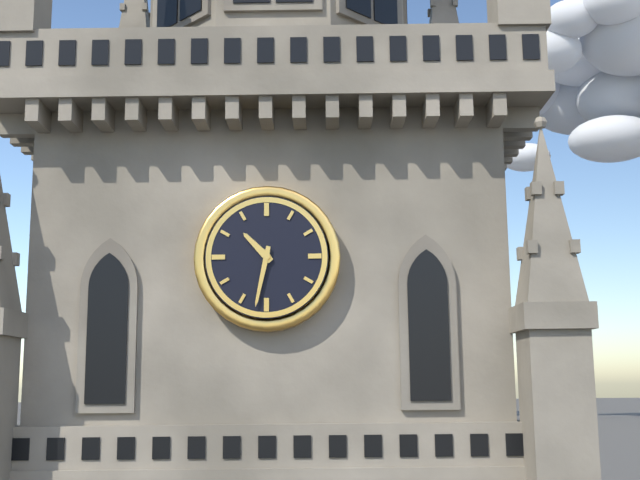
10:32
